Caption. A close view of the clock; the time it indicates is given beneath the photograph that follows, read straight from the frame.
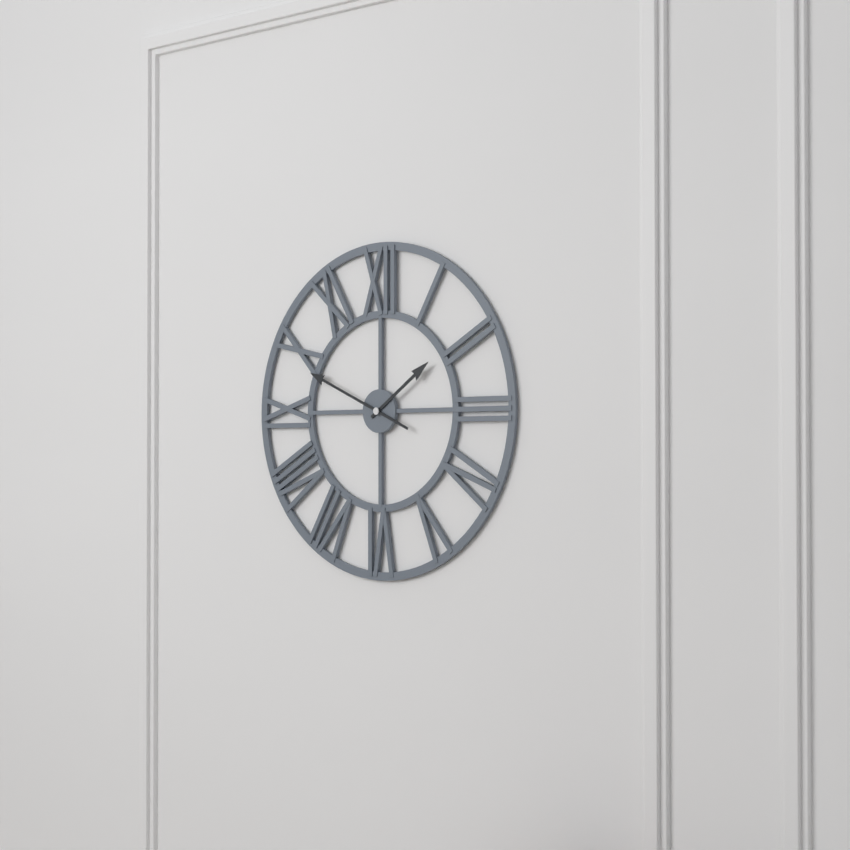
1:49
